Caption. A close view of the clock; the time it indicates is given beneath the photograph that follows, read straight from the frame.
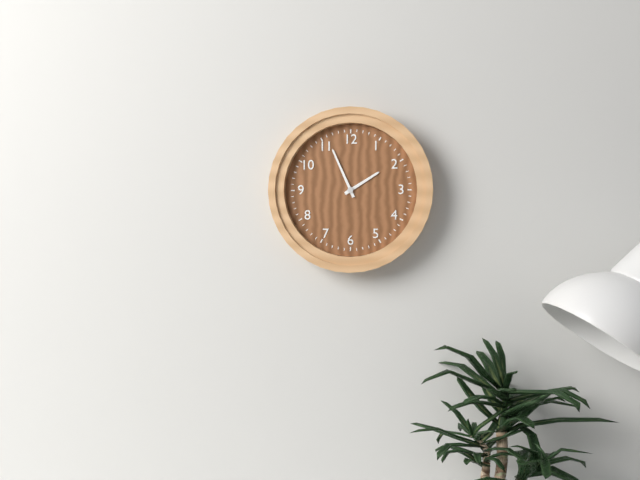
1:56
